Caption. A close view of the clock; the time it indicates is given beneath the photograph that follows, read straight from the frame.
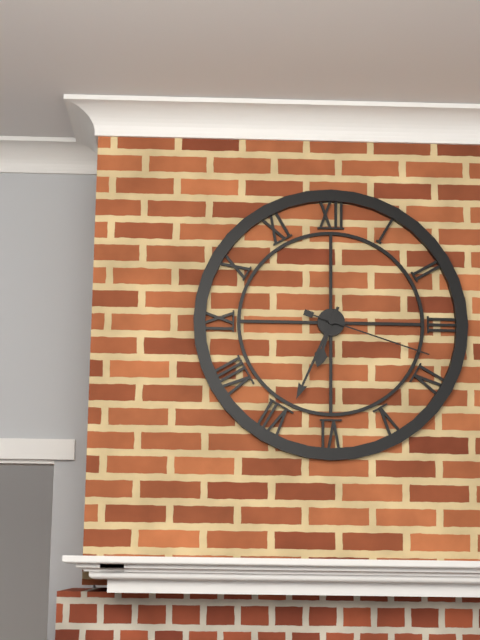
6:34:18
